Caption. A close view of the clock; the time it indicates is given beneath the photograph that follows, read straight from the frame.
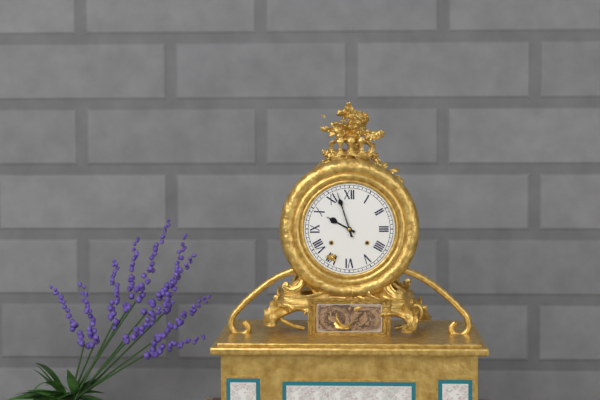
9:57
